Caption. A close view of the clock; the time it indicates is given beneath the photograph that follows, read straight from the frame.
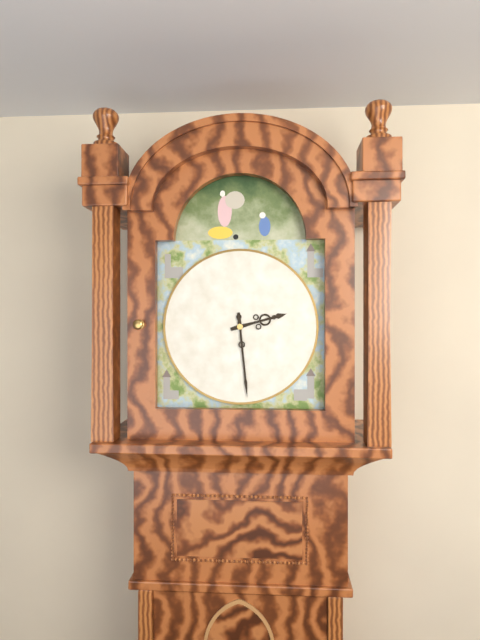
2:29
